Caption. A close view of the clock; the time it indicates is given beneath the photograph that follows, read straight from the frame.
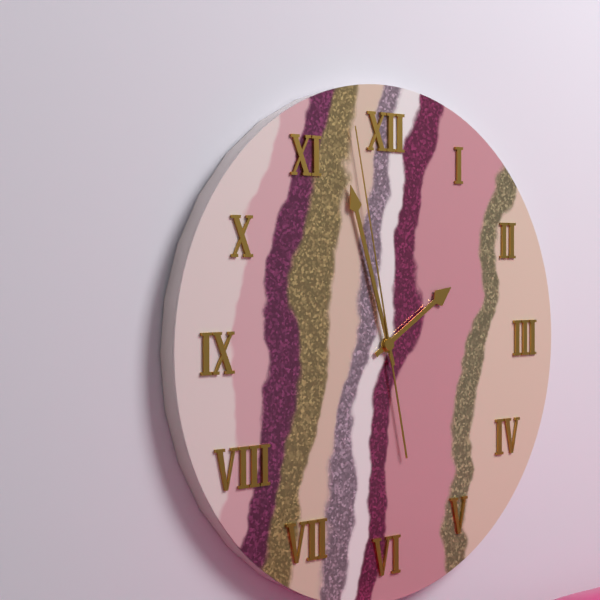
1:57:58
